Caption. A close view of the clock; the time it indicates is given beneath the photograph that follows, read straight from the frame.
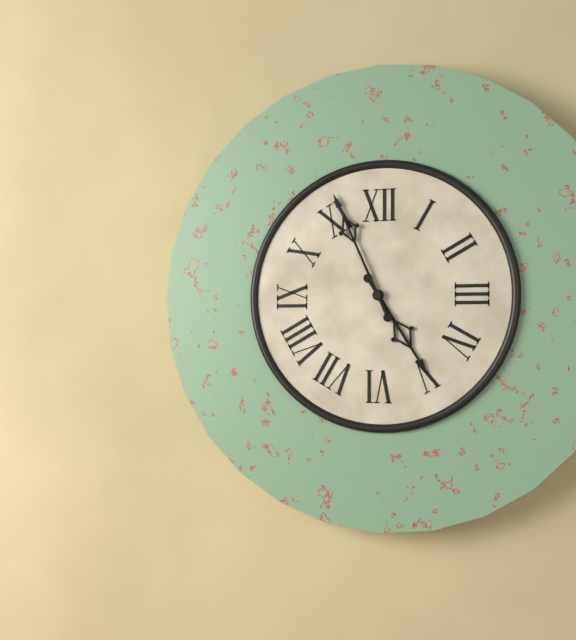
4:56
